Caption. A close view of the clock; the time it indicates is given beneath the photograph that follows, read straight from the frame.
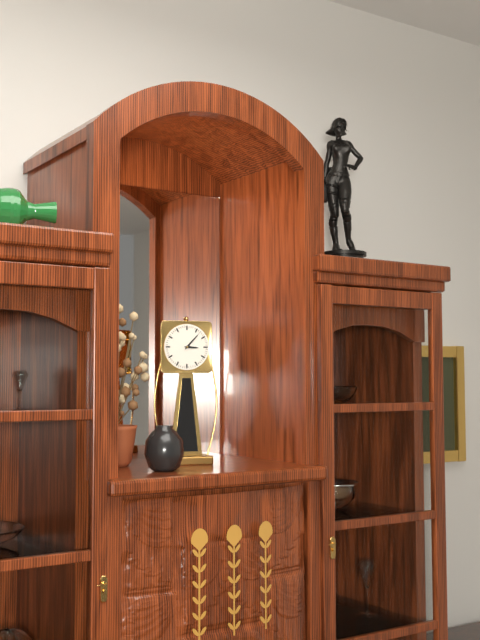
3:07
